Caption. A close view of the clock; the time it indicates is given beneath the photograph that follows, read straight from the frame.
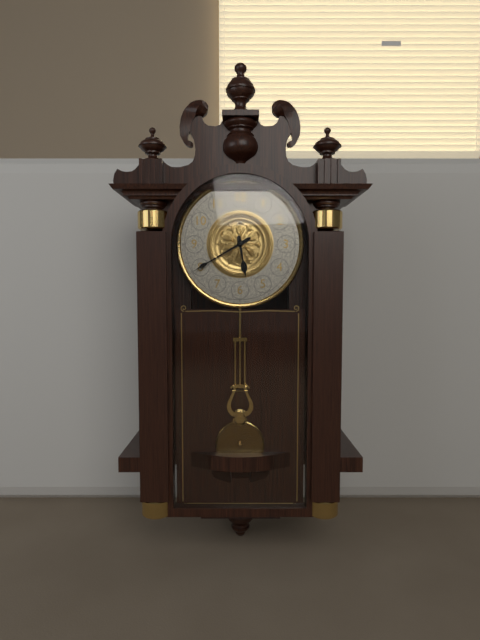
5:40
